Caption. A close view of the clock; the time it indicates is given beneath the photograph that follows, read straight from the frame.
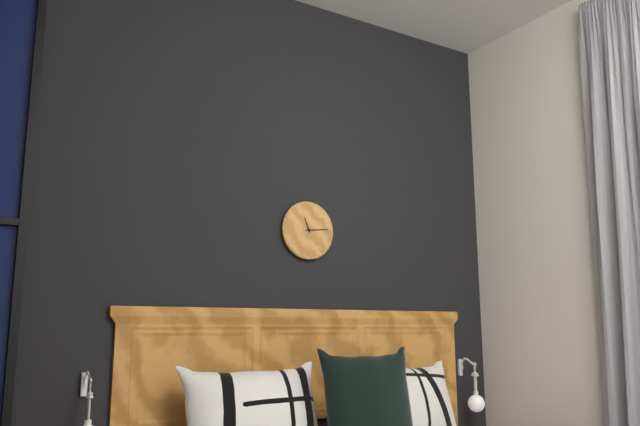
11:14
